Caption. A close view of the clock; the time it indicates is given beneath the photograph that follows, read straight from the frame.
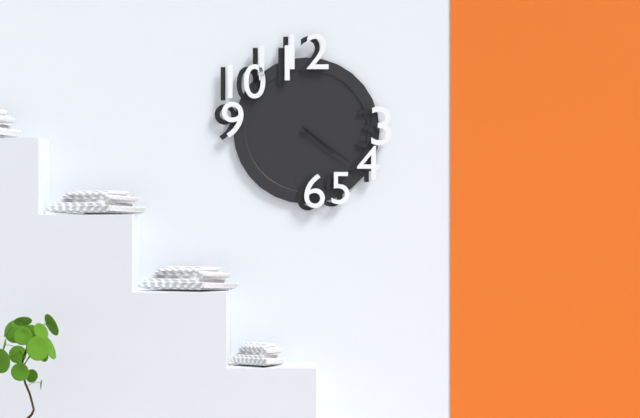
4:21
